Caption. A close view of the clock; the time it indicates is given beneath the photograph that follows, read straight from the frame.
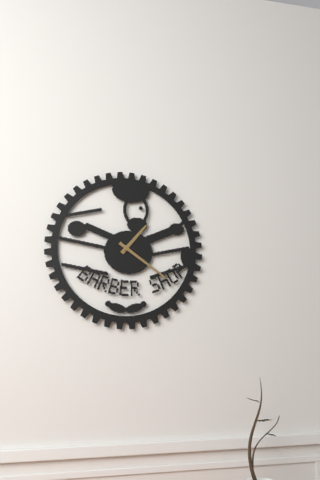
1:21
